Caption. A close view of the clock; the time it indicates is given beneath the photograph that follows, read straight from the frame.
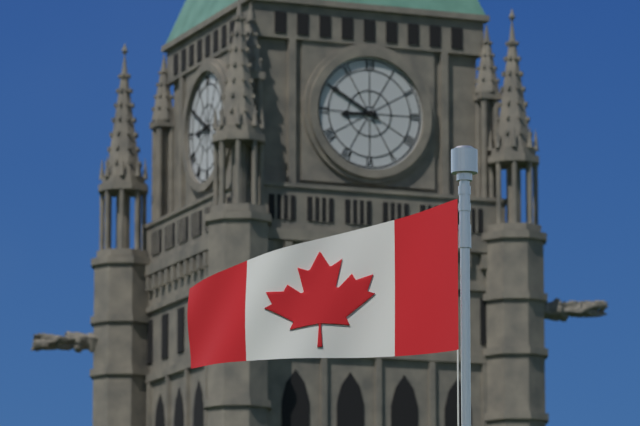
8:50
